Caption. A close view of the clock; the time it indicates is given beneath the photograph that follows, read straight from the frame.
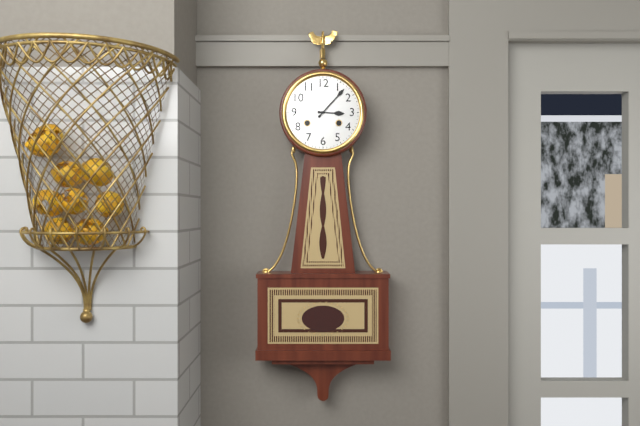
3:07
